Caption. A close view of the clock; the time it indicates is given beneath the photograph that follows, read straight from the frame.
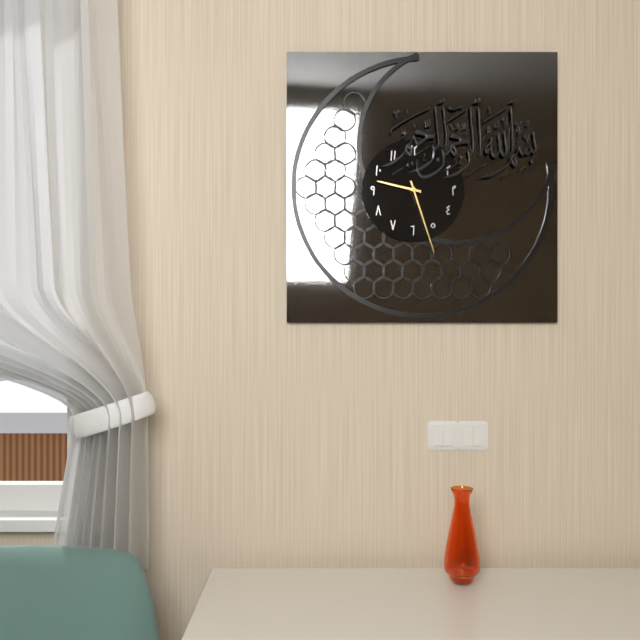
9:27
